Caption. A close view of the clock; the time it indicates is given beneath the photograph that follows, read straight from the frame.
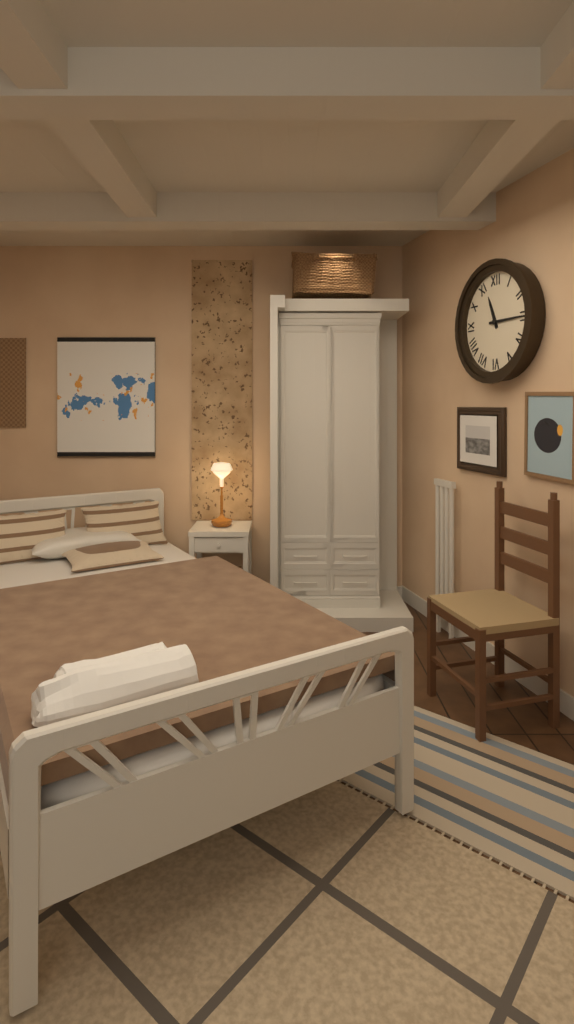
11:15
